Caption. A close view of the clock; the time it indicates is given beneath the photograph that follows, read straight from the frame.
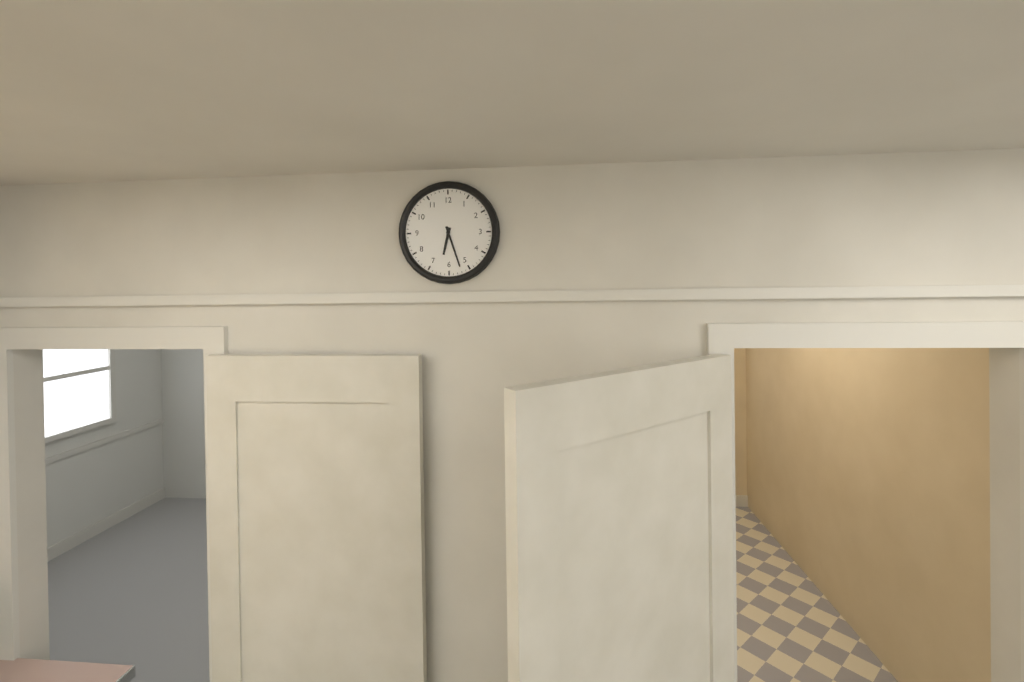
6:27
